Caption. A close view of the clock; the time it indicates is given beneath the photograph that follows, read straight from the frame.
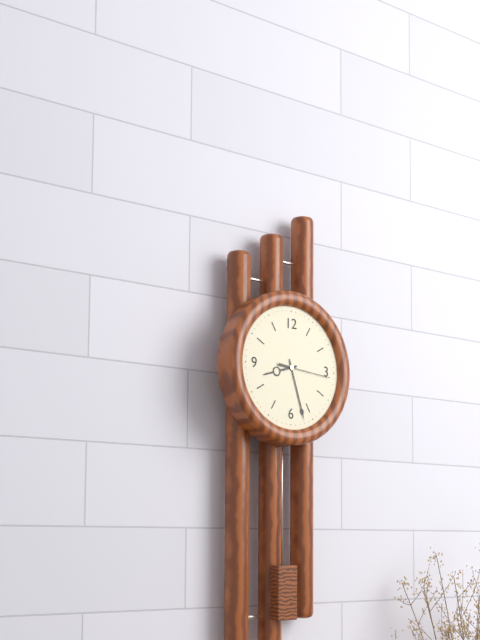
8:27
